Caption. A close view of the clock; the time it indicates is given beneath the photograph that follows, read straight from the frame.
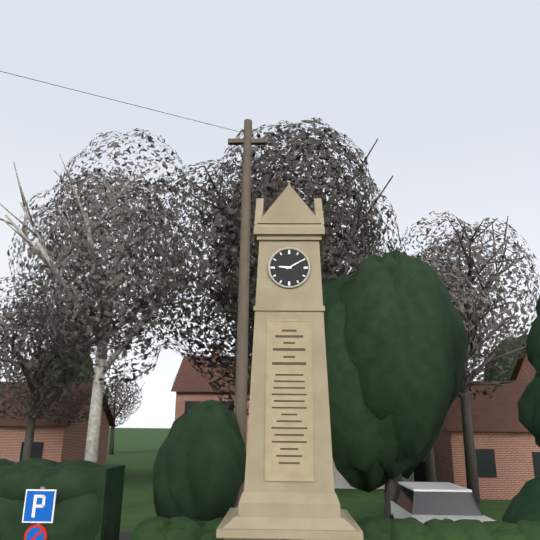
9:10
